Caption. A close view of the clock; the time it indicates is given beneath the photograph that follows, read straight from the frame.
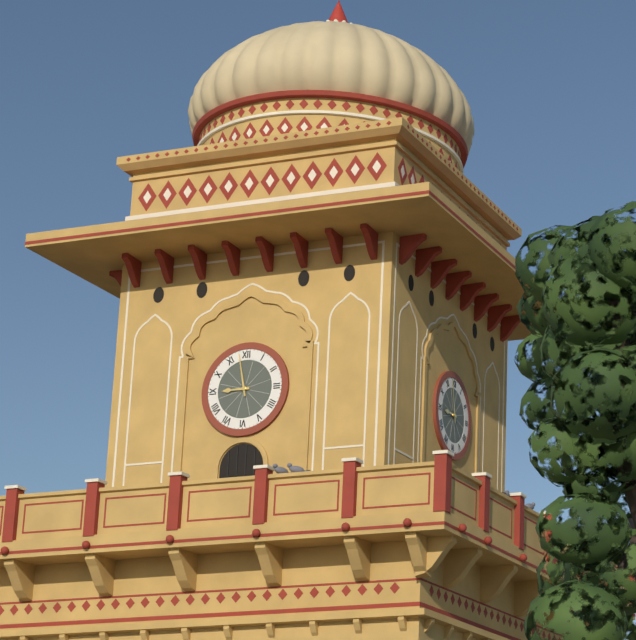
8:58
